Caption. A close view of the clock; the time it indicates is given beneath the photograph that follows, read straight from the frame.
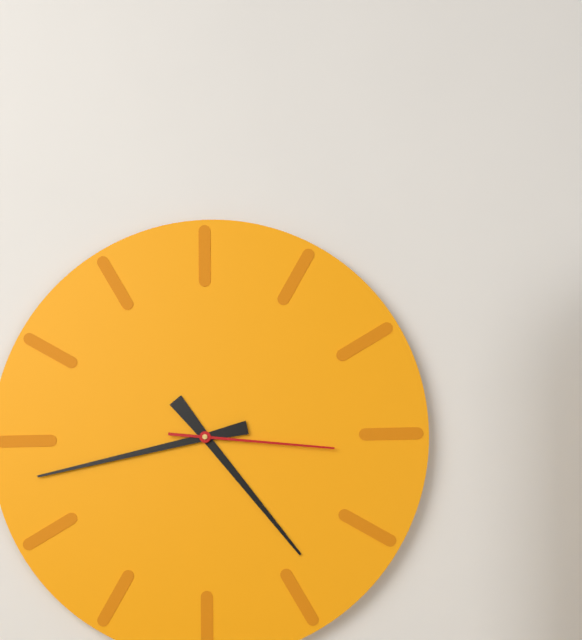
4:43:16
